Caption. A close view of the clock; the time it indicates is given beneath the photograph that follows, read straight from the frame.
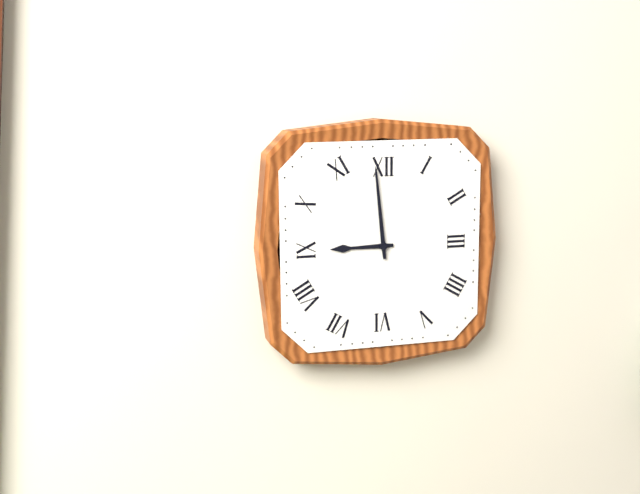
8:59
